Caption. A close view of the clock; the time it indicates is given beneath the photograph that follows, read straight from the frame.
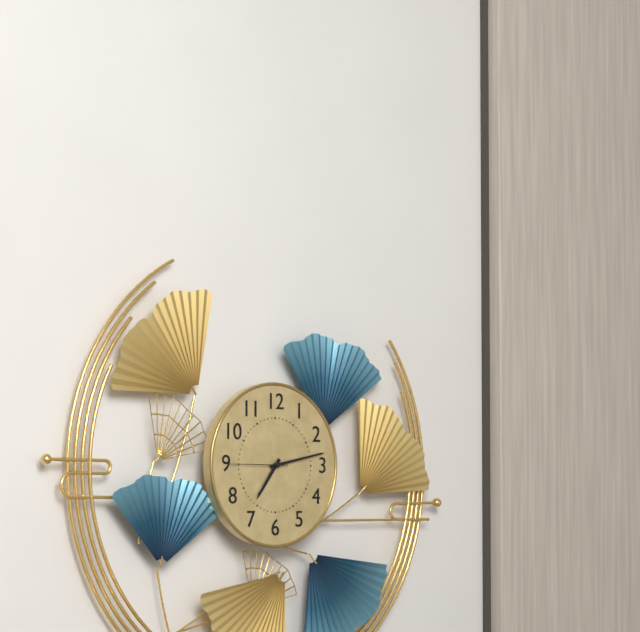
7:13:45
